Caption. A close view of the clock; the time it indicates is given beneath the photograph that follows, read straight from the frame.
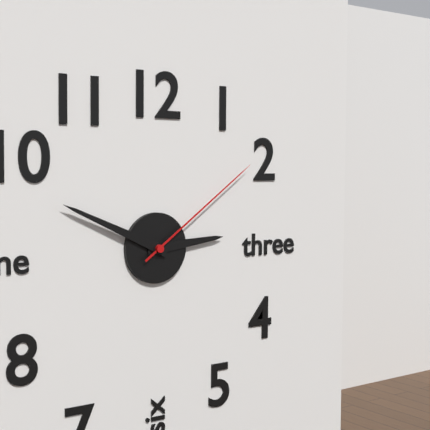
2:49:09
